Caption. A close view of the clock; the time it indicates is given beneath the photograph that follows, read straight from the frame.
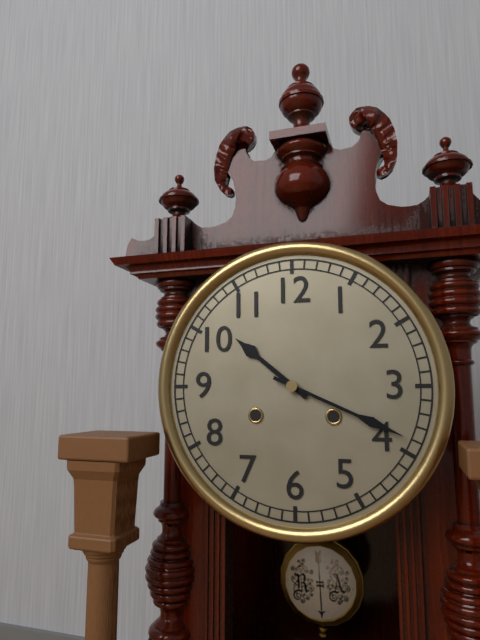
10:19
